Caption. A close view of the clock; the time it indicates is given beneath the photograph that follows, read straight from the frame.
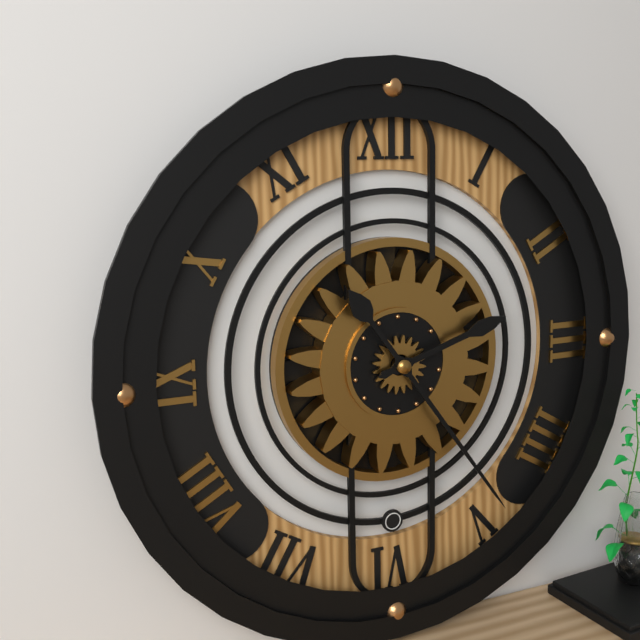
2:24
